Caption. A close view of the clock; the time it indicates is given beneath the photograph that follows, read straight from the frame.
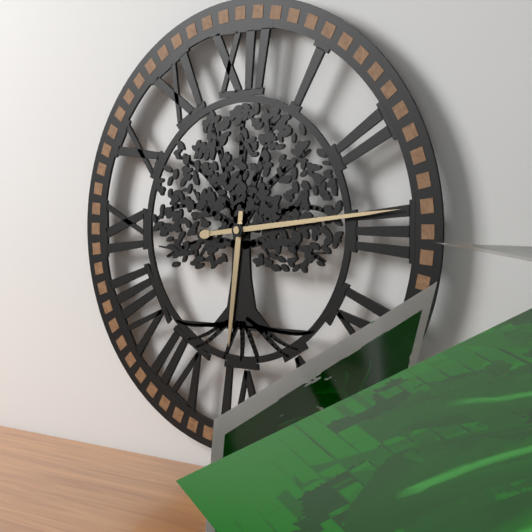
6:14
